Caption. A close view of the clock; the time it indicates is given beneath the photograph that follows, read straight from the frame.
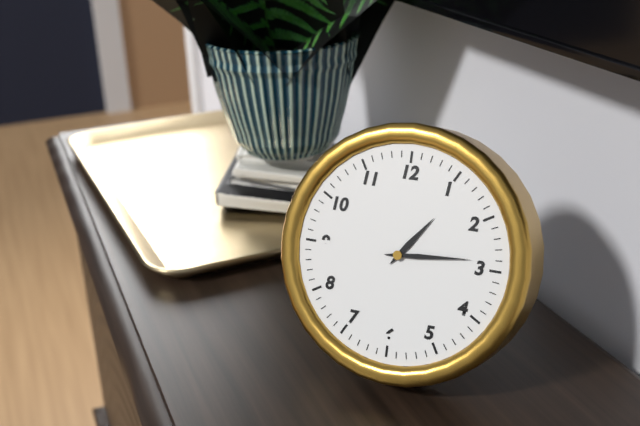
1:14
